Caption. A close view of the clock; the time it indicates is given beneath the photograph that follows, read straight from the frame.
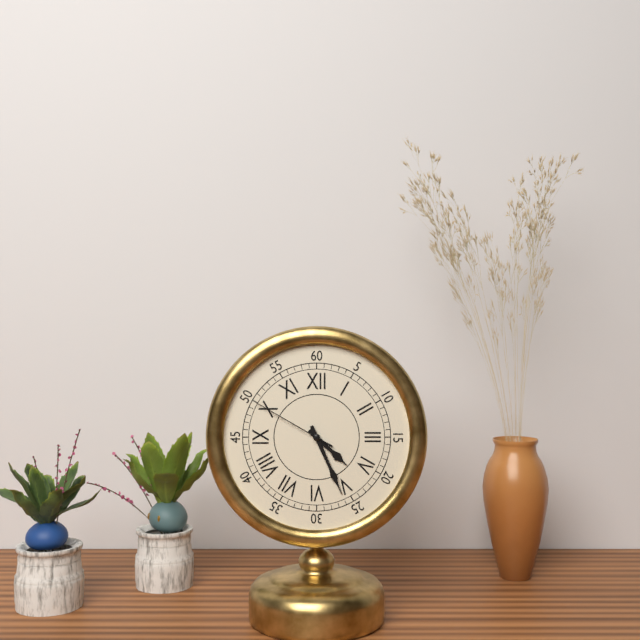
4:26:50
